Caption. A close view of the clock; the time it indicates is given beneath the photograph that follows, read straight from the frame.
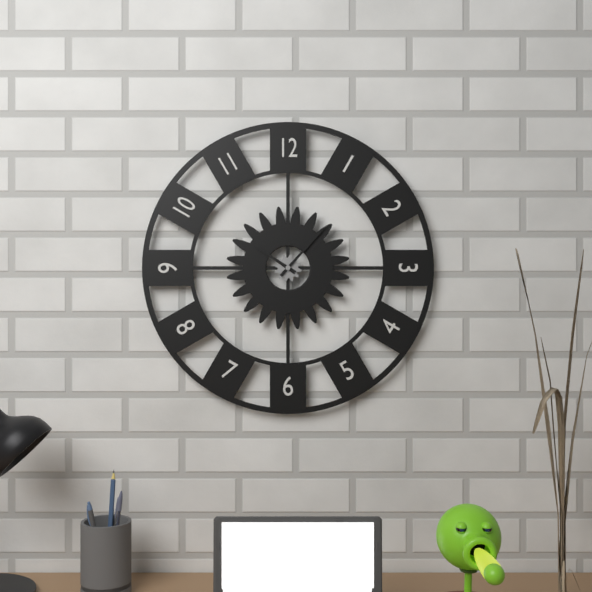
10:07
